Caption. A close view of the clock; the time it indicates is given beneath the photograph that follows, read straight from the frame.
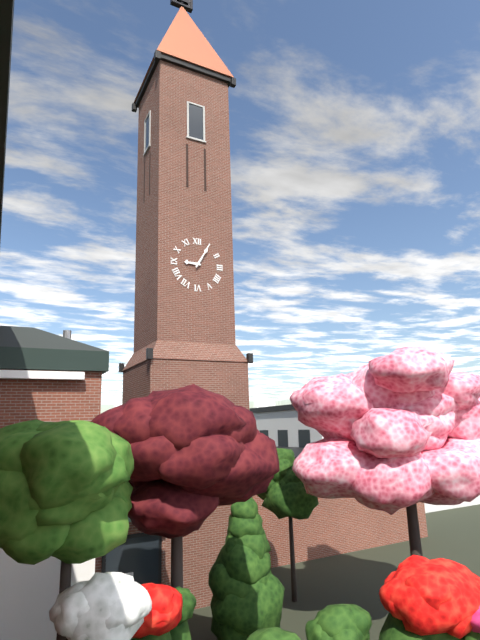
9:05
